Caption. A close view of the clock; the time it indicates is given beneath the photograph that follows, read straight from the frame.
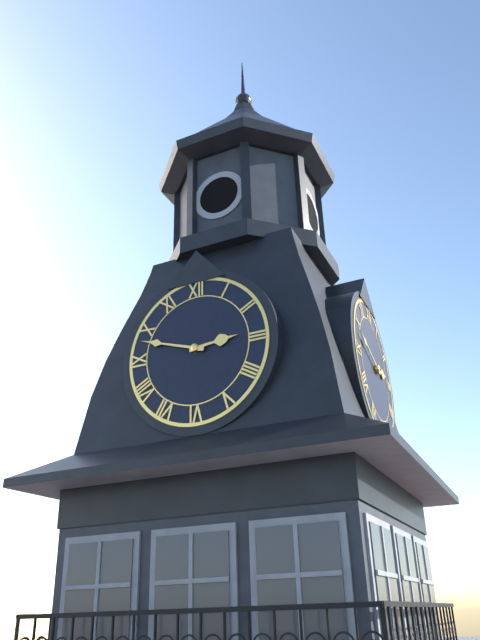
2:48
